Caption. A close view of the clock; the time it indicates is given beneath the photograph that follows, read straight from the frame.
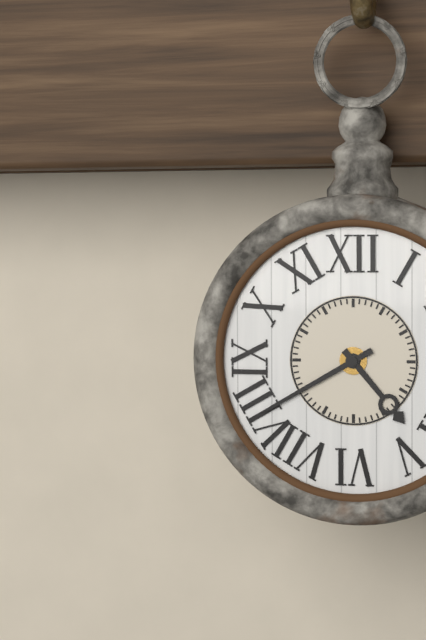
4:40
